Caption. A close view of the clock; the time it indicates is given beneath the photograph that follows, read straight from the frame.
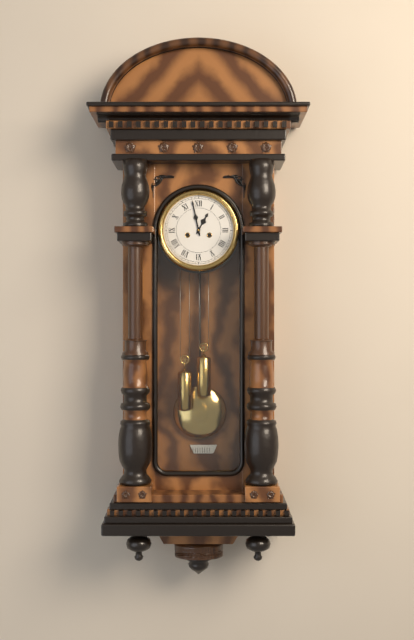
12:58
